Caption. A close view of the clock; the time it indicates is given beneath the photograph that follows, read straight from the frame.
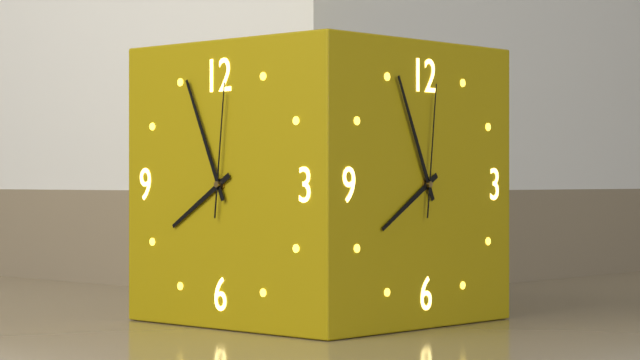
7:56:01
